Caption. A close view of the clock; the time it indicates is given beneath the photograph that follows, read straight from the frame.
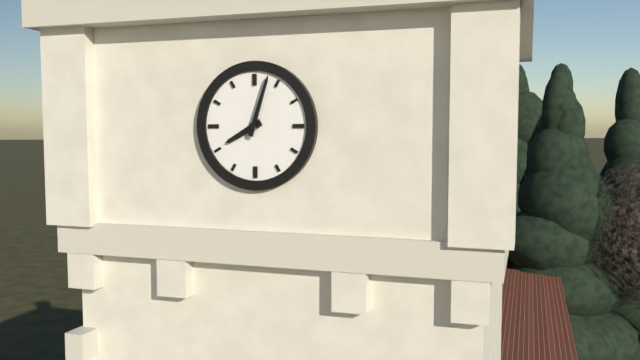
8:03
